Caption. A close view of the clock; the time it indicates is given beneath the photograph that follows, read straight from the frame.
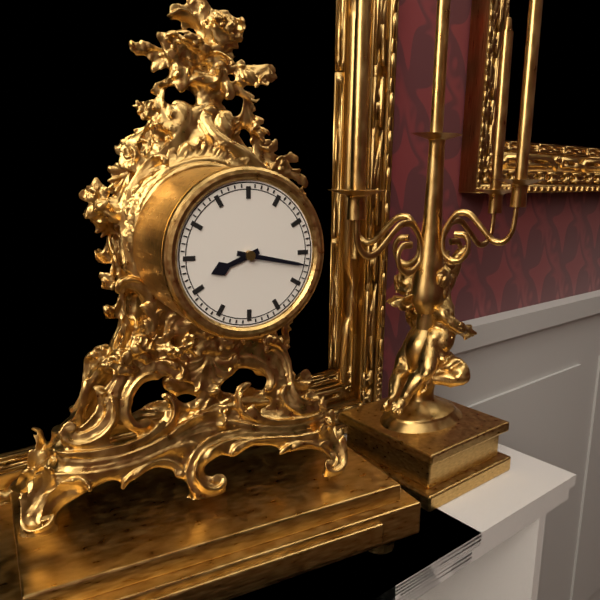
8:17
